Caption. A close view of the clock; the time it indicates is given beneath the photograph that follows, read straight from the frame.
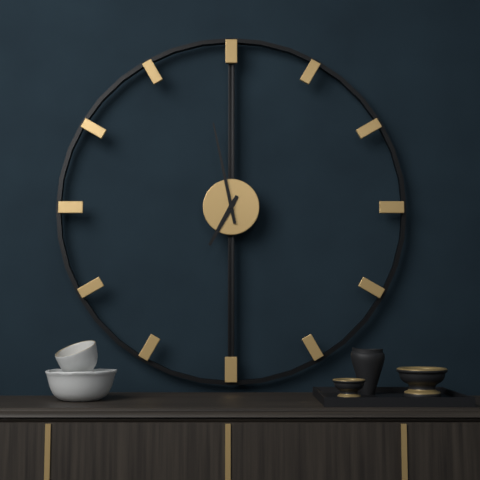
6:58
